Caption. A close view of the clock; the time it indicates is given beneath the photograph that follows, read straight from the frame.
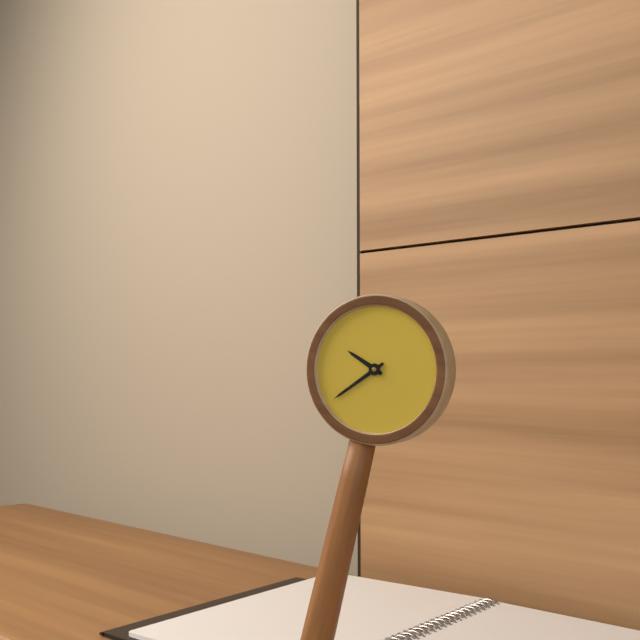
9:37
